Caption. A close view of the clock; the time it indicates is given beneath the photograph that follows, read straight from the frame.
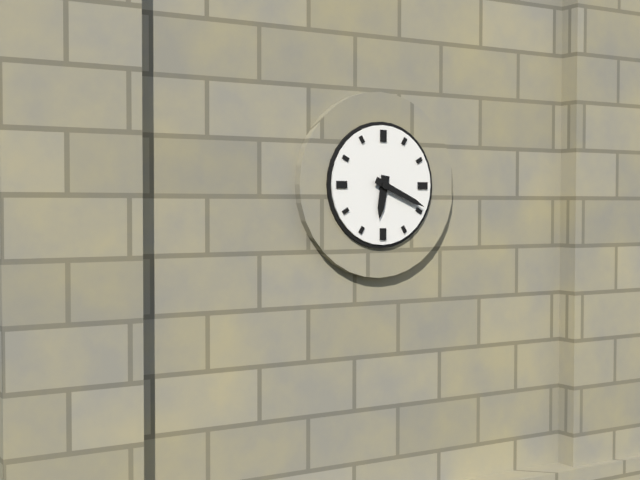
6:19
